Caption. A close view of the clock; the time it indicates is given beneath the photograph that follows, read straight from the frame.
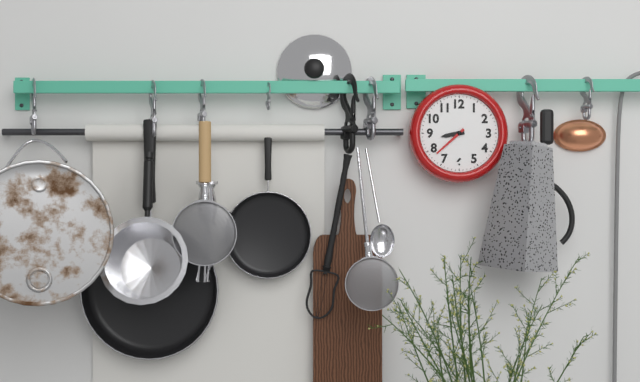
8:38
